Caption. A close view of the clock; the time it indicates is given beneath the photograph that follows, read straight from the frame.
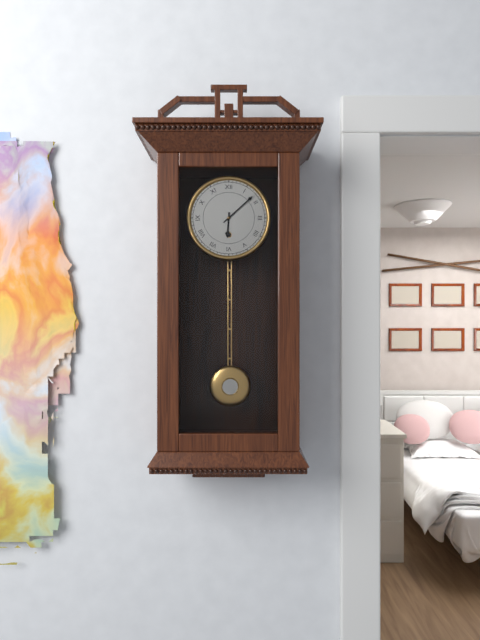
6:08
